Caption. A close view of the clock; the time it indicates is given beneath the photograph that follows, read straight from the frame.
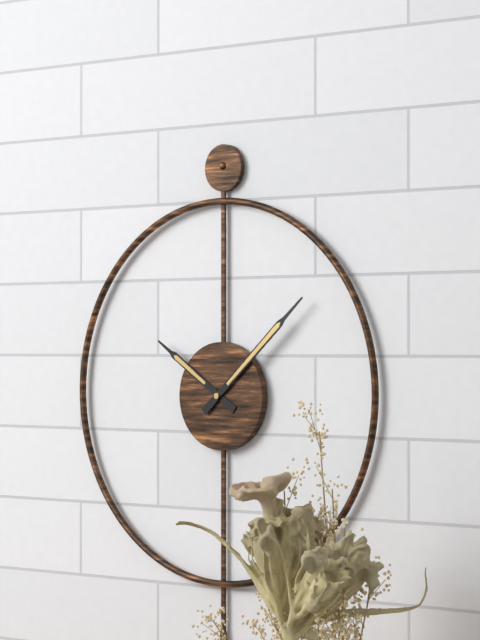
10:08
